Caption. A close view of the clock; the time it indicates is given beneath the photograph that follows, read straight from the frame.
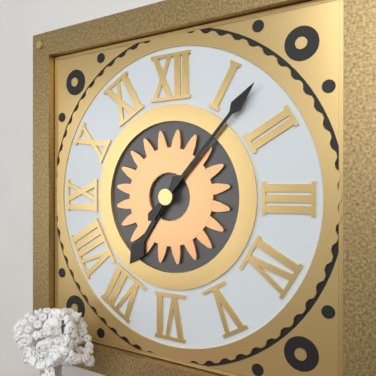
7:07
